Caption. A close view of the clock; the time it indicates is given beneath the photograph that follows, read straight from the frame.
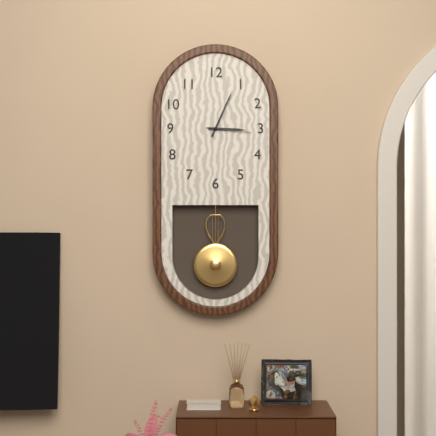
3:04
